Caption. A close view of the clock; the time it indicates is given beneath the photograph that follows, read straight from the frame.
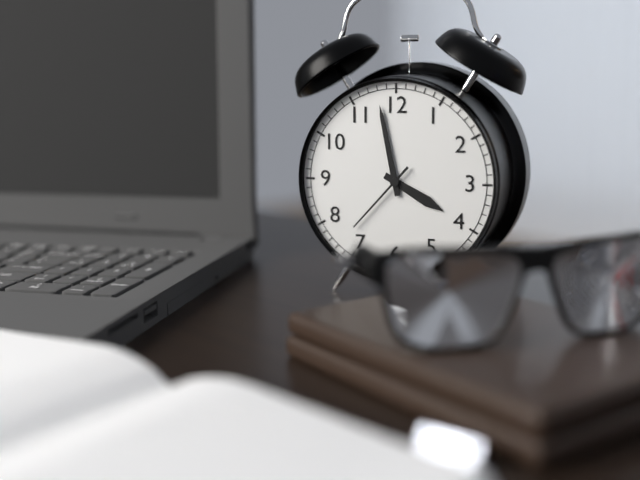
3:58:37
